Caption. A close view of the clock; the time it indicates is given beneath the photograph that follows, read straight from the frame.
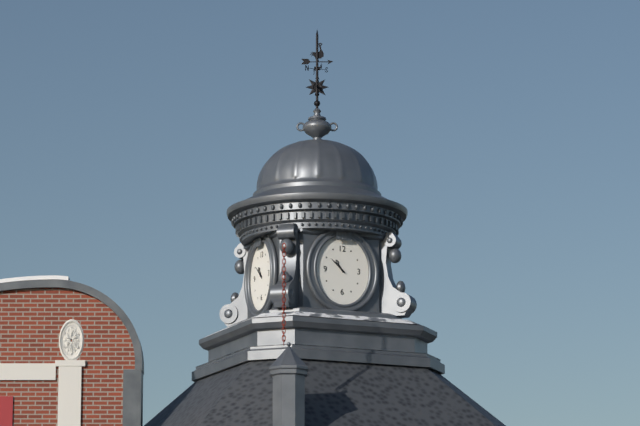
10:52
